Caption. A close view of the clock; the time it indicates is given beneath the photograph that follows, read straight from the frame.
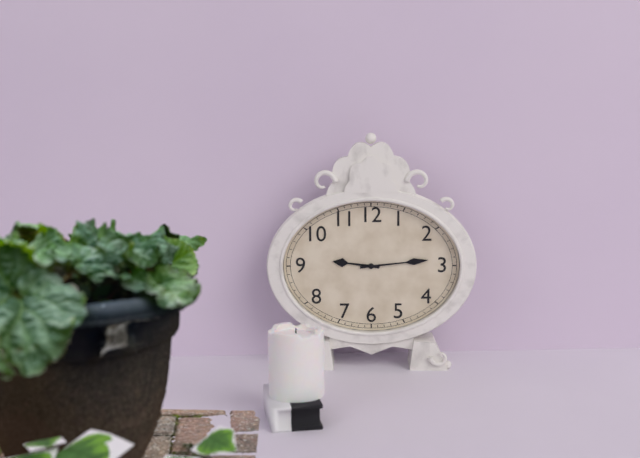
9:14
